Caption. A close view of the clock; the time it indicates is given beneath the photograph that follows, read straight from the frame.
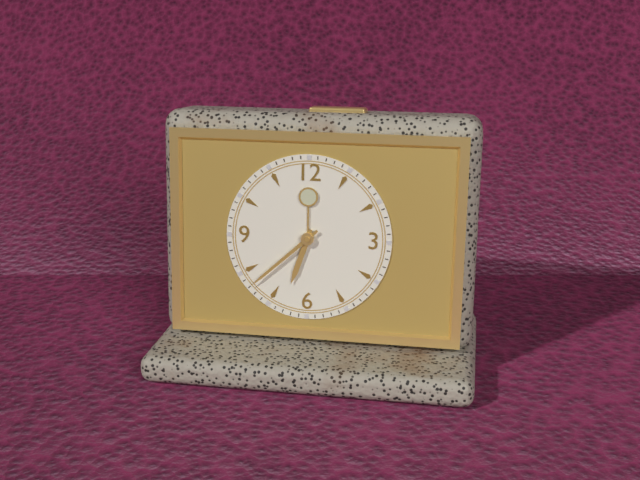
6:38
